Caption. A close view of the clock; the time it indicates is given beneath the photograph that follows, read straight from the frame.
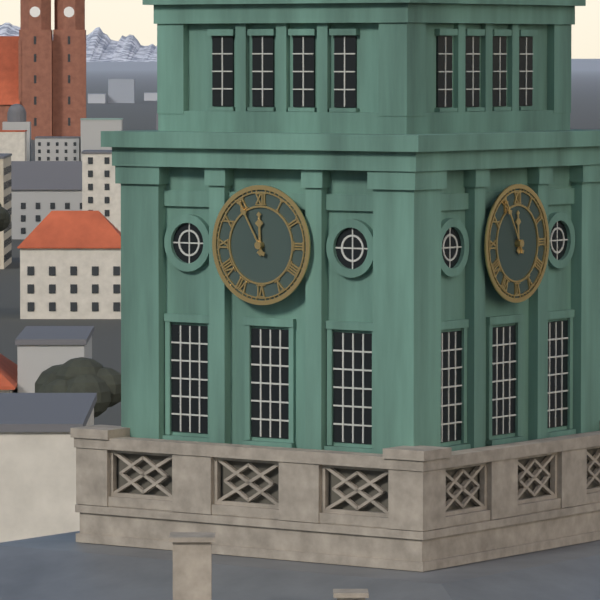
11:55
